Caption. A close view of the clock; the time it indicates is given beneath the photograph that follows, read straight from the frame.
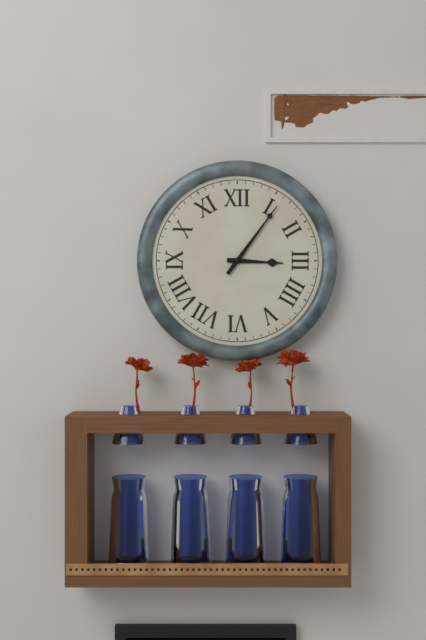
3:06
